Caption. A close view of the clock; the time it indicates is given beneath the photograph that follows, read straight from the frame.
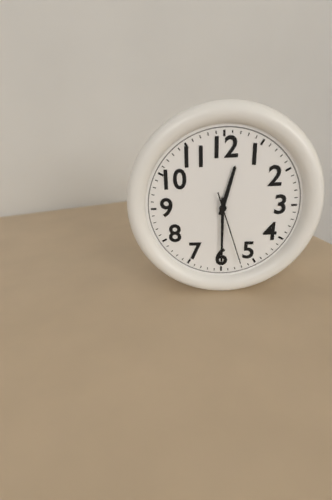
12:30:27
